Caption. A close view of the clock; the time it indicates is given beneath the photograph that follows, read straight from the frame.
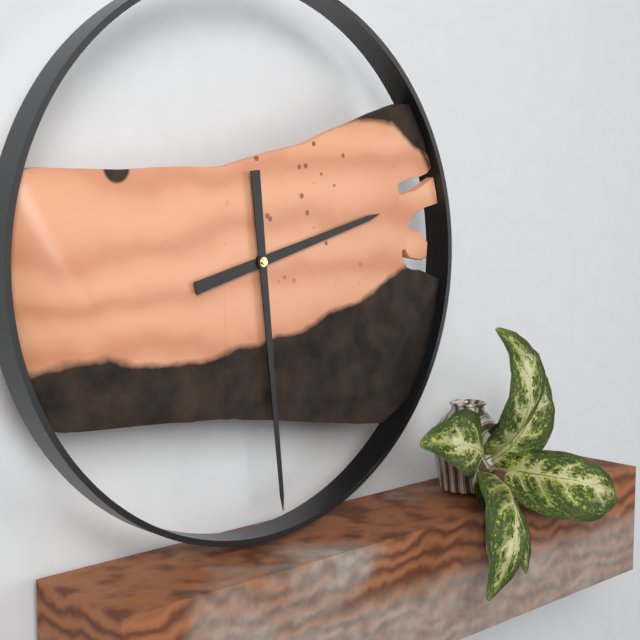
2:29
